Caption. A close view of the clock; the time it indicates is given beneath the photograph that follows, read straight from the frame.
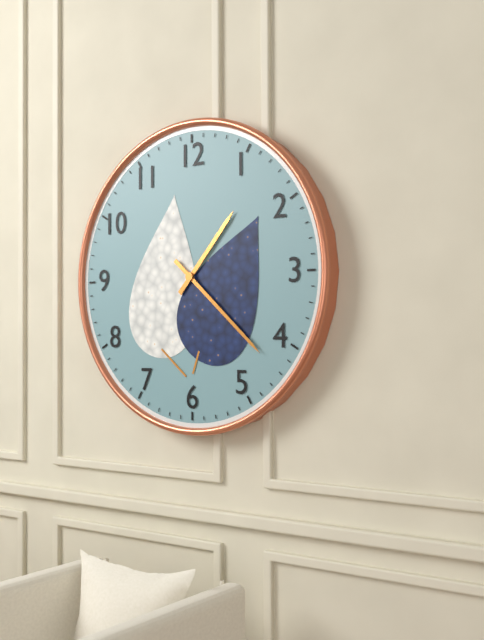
1:22
